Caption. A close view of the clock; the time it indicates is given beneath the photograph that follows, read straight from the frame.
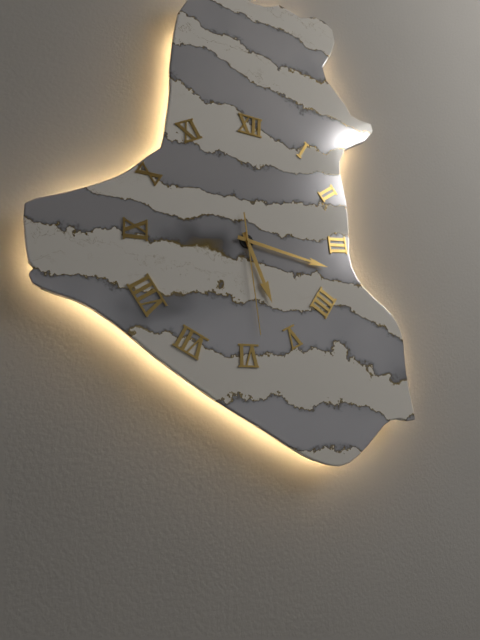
5:17:29
